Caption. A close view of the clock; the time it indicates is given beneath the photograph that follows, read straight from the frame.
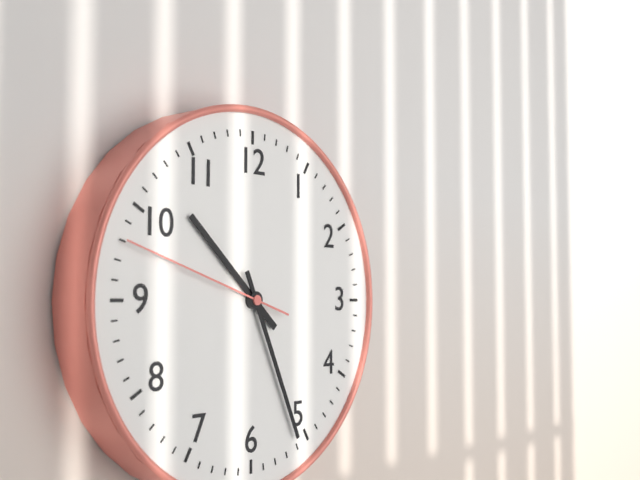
10:26:48
